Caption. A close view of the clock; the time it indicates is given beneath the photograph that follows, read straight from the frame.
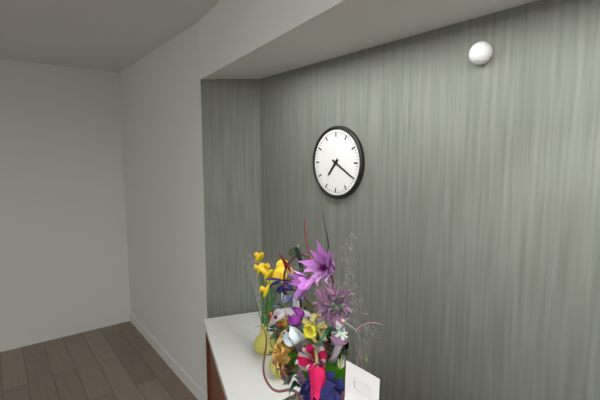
7:20
